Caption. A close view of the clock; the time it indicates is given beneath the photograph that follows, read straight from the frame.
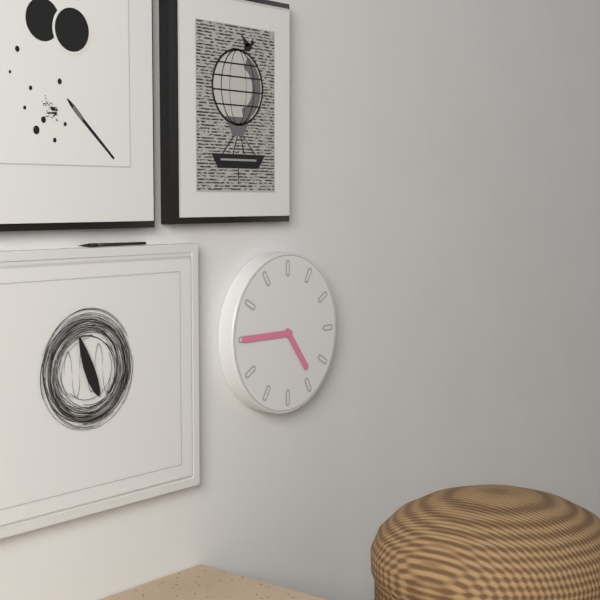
4:45
